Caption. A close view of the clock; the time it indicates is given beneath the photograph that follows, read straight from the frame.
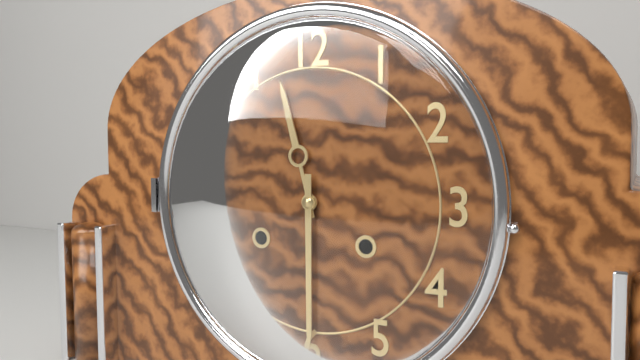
11:30
